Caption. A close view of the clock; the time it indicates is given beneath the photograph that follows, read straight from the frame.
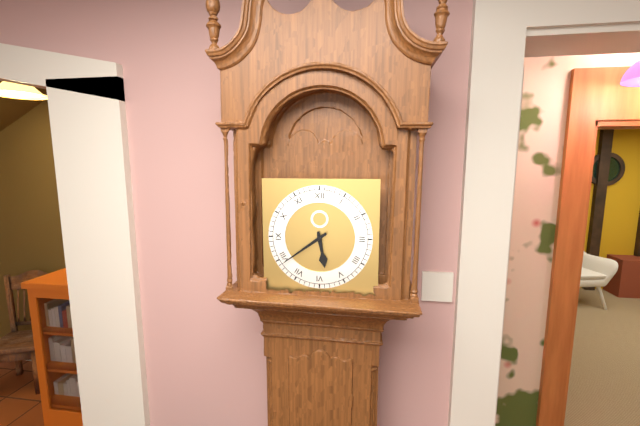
5:39
